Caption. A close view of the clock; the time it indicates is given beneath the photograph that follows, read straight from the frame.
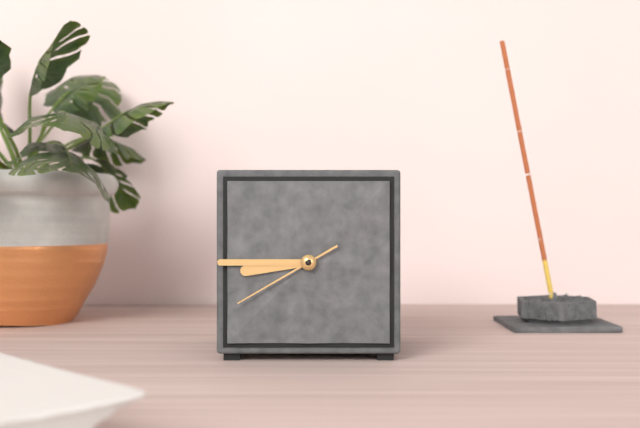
8:45:40
